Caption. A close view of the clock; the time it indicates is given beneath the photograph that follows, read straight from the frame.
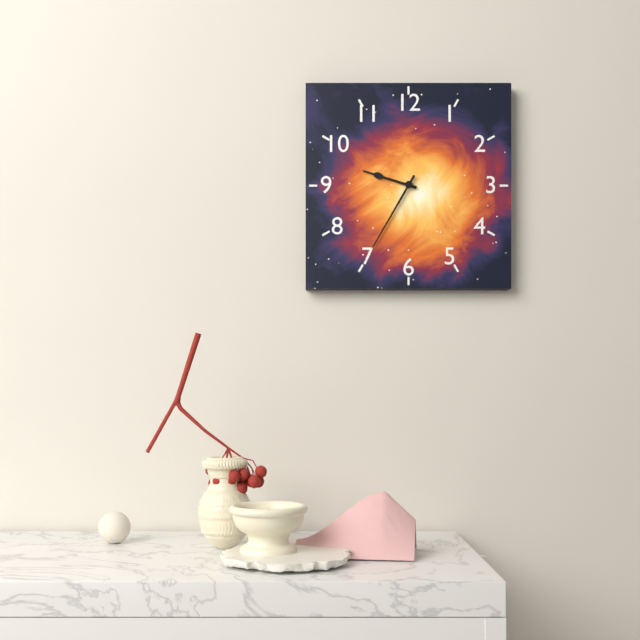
9:35
